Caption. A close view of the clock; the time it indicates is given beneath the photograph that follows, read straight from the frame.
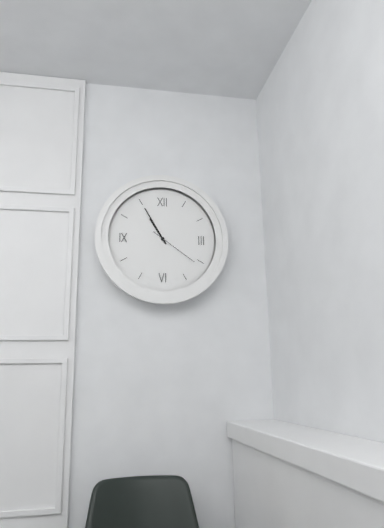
10:55
